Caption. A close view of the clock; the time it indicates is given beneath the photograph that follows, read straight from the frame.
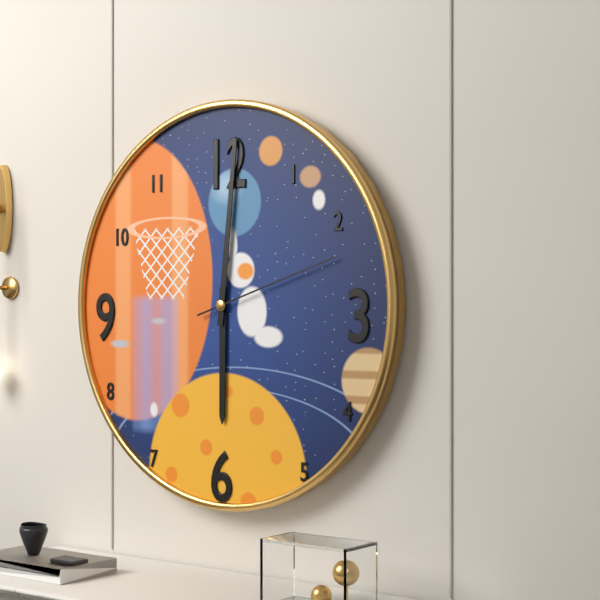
6:01:12
